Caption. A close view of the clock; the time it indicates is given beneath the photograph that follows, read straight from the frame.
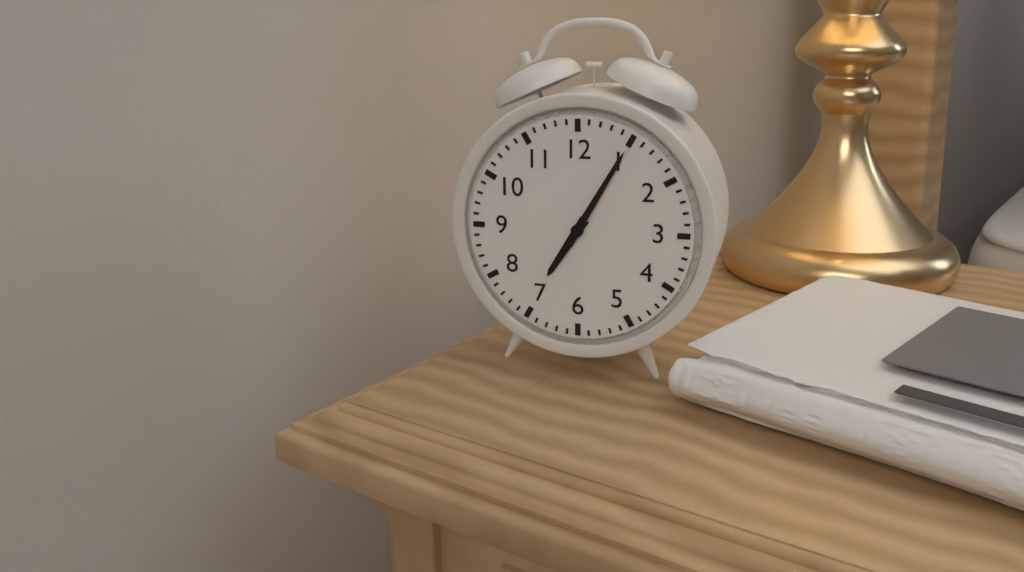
7:05
